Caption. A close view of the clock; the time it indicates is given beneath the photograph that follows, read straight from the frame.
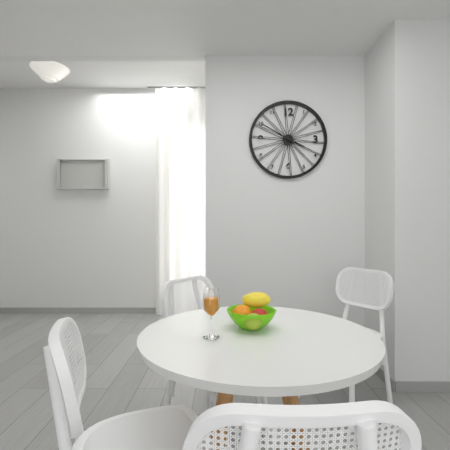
3:50
